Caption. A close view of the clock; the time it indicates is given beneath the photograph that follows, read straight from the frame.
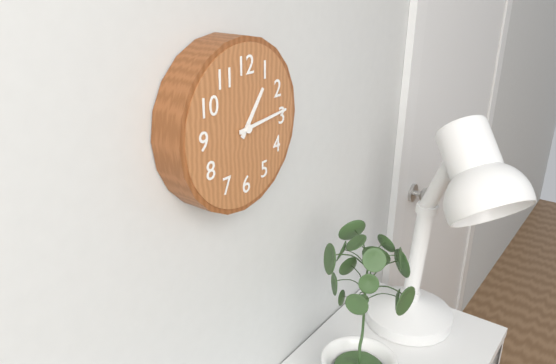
1:14
